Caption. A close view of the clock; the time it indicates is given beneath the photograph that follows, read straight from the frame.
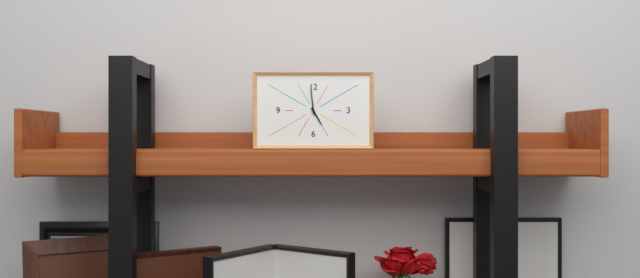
4:59
